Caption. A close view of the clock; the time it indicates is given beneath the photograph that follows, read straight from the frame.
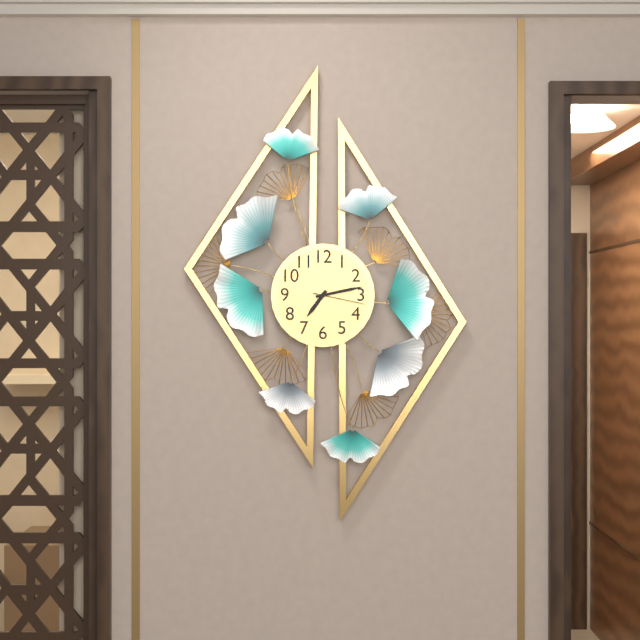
7:13:17
